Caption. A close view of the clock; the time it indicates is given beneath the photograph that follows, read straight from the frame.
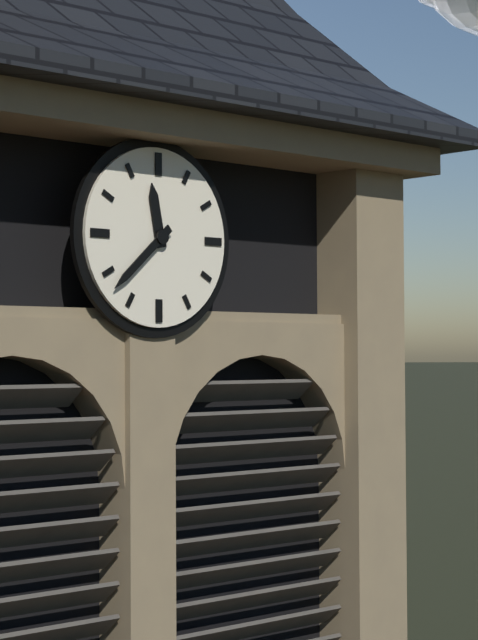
11:38
